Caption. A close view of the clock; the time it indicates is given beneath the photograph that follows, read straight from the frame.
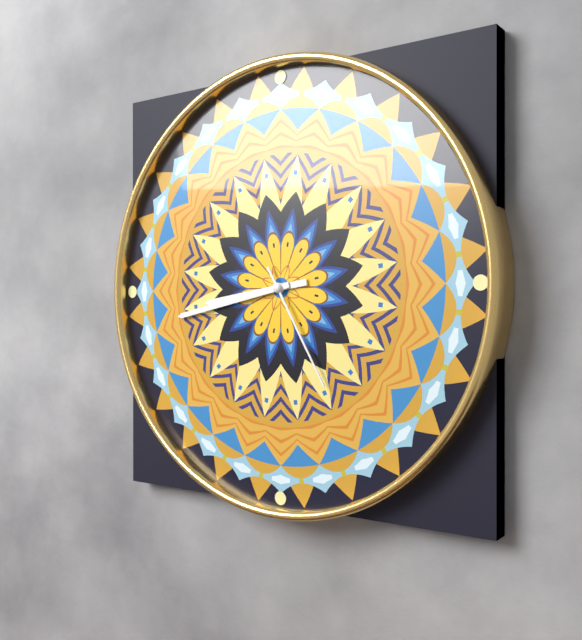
8:43:25
